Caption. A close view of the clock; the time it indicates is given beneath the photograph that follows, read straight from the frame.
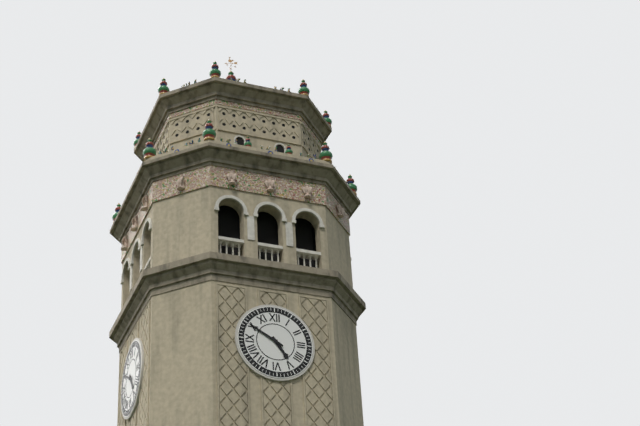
4:50
